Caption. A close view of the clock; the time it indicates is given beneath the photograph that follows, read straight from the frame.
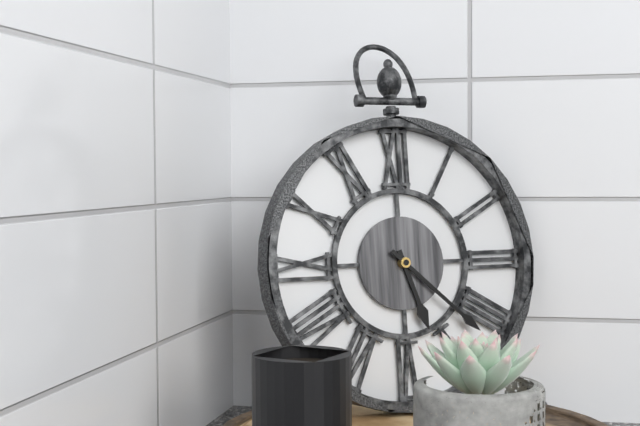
5:22
